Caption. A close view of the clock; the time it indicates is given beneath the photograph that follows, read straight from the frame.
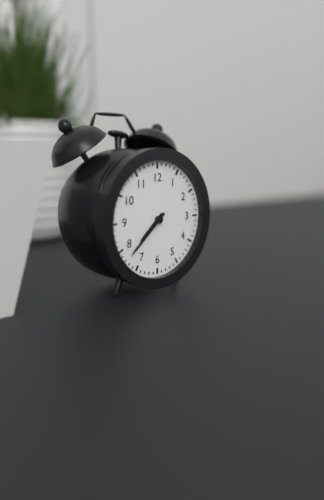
7:38
